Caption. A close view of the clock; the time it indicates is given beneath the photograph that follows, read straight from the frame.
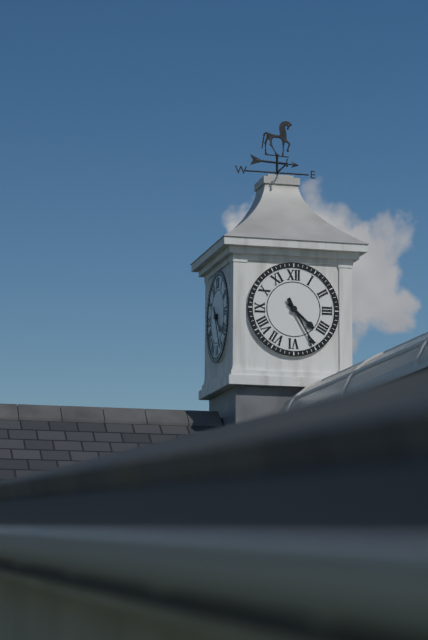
4:25
